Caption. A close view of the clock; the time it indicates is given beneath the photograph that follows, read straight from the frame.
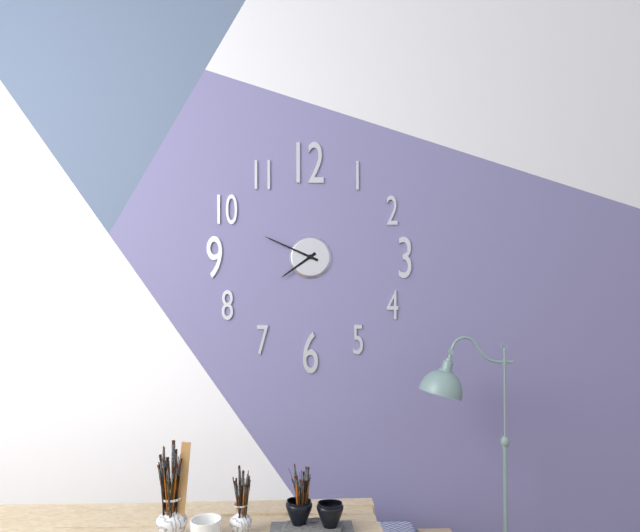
7:49
